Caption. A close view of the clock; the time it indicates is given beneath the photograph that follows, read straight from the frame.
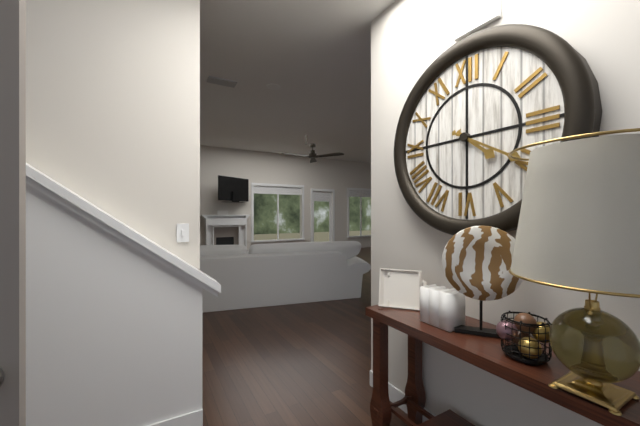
4:20
